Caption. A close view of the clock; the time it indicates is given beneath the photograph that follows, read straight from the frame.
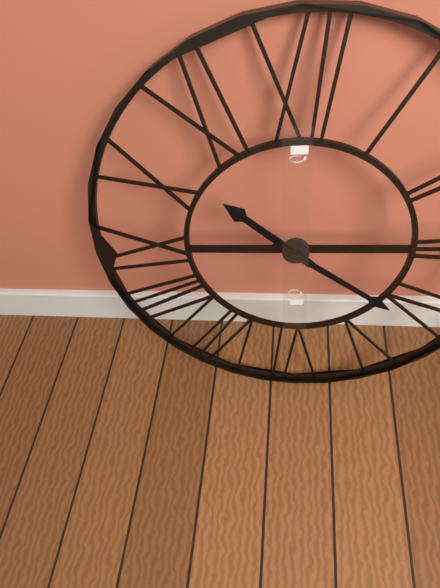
10:21
